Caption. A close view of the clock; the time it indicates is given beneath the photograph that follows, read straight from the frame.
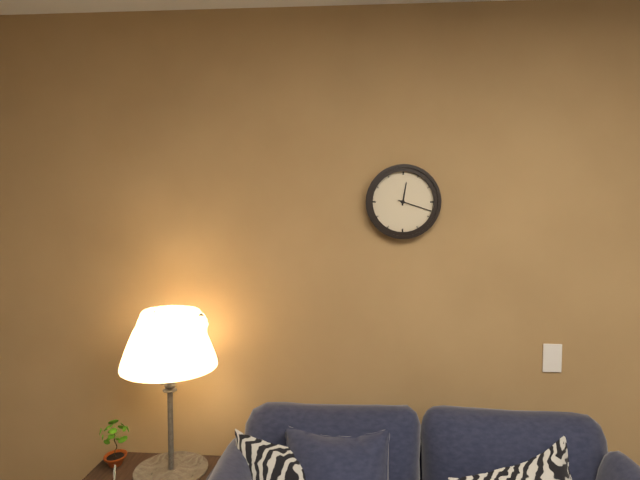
12:18
